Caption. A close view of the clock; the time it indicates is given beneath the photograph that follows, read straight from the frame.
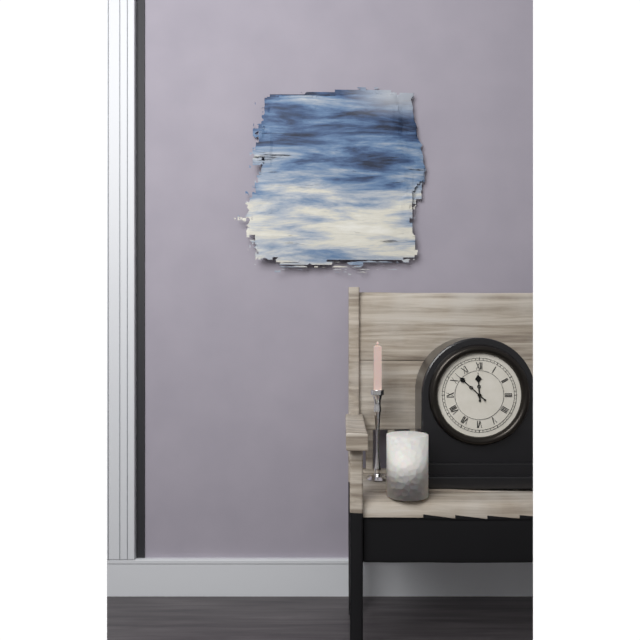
11:52
